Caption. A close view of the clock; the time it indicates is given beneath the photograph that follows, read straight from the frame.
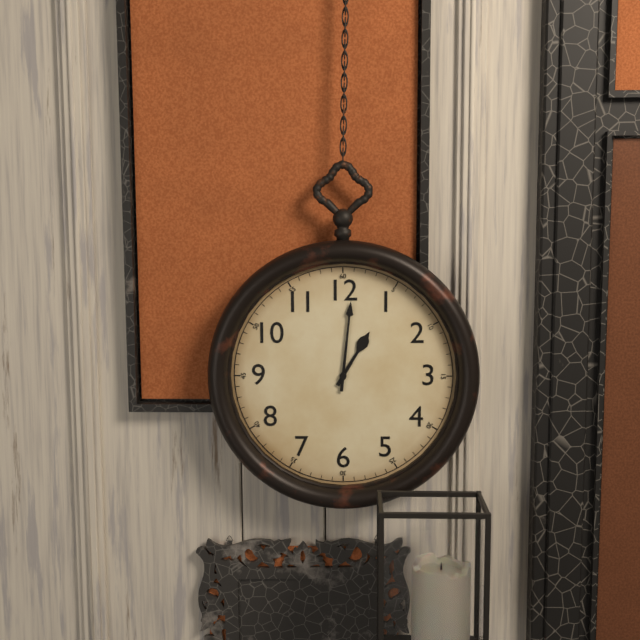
1:01
